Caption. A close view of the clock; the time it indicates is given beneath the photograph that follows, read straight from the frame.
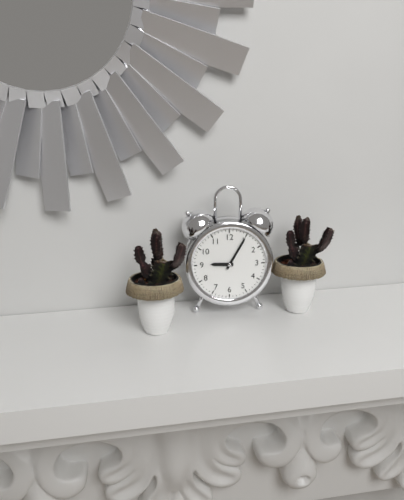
9:05
